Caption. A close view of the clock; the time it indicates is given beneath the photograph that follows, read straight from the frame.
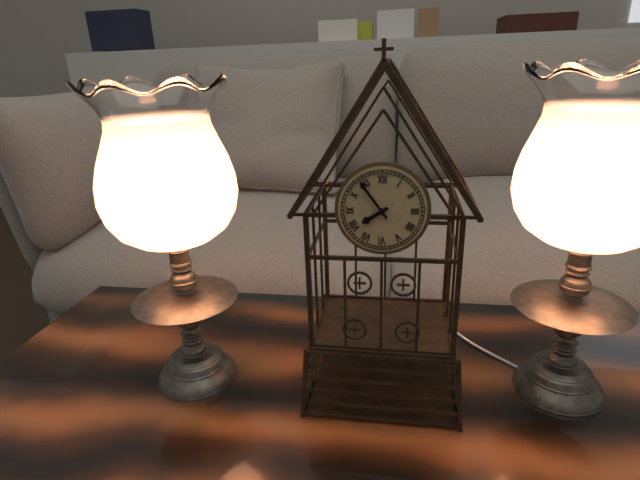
7:54
